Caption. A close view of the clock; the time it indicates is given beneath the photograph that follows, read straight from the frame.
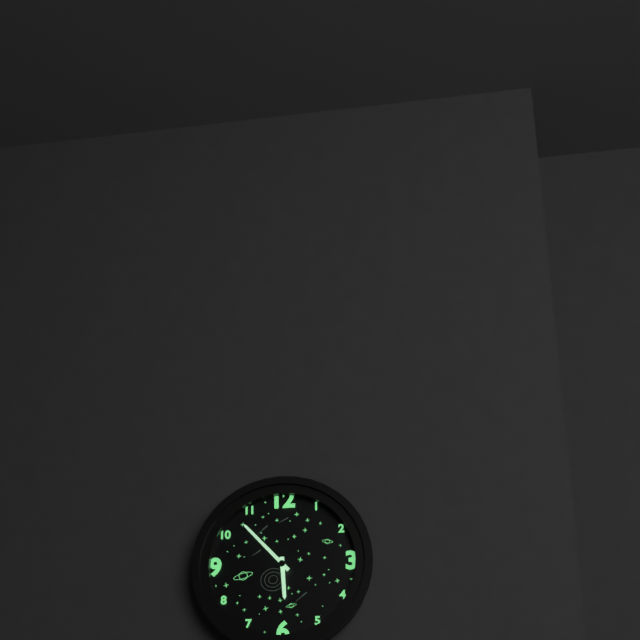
5:53
